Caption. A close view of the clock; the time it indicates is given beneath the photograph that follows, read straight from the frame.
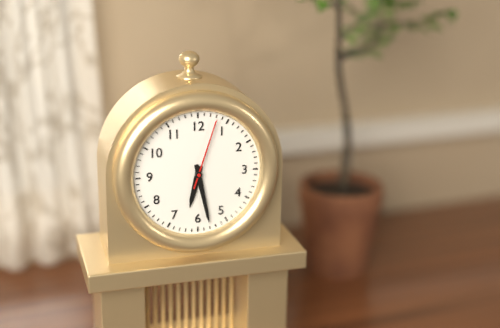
6:28:03
